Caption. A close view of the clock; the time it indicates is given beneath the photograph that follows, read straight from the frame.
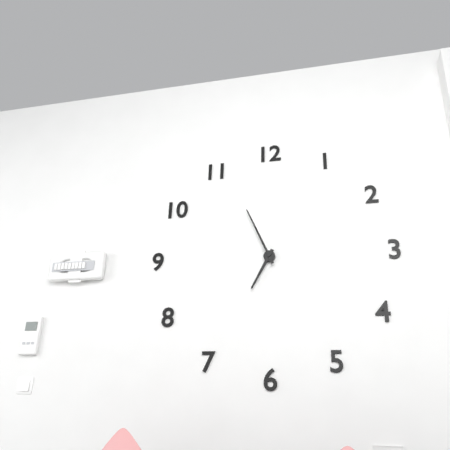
6:56
